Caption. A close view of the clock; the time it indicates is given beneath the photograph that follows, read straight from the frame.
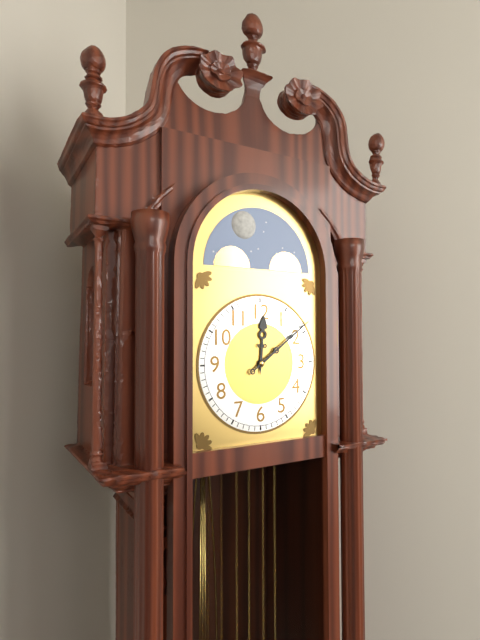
12:09
